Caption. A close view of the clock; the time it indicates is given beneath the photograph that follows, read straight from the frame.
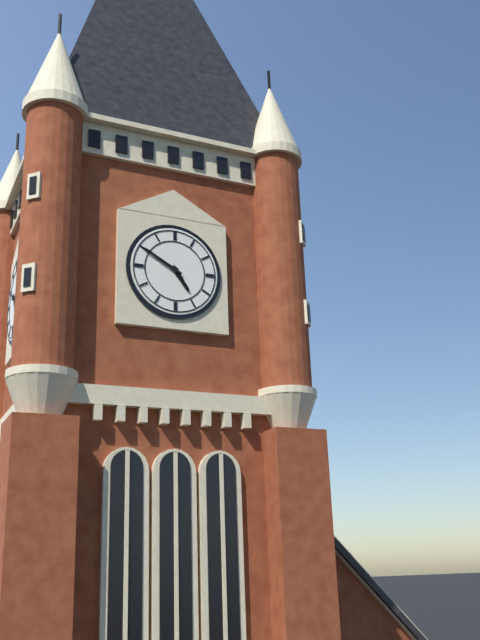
4:50
